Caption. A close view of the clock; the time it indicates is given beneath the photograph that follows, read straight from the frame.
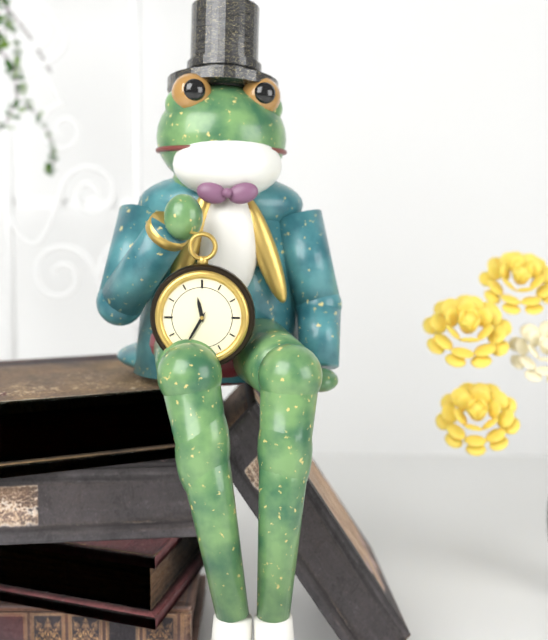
11:35
